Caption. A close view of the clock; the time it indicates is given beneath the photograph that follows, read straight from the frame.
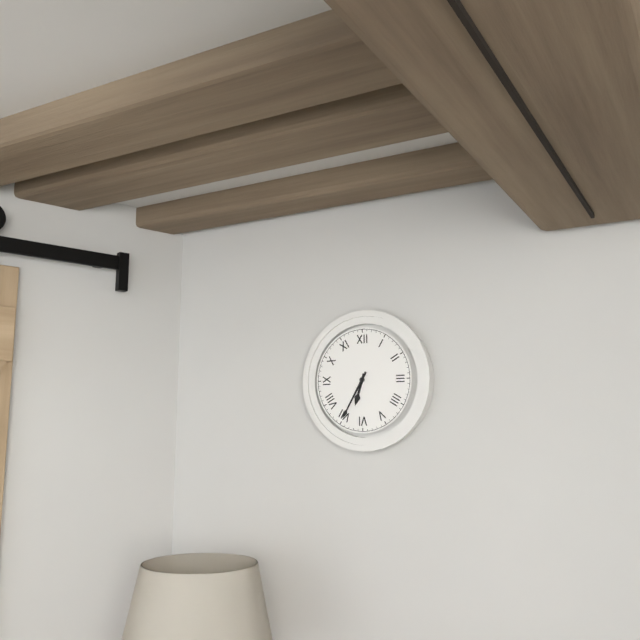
6:35
